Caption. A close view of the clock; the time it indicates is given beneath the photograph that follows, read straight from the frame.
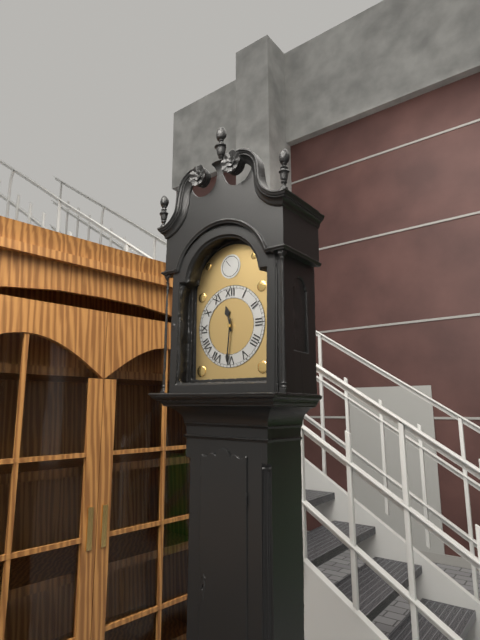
11:31
